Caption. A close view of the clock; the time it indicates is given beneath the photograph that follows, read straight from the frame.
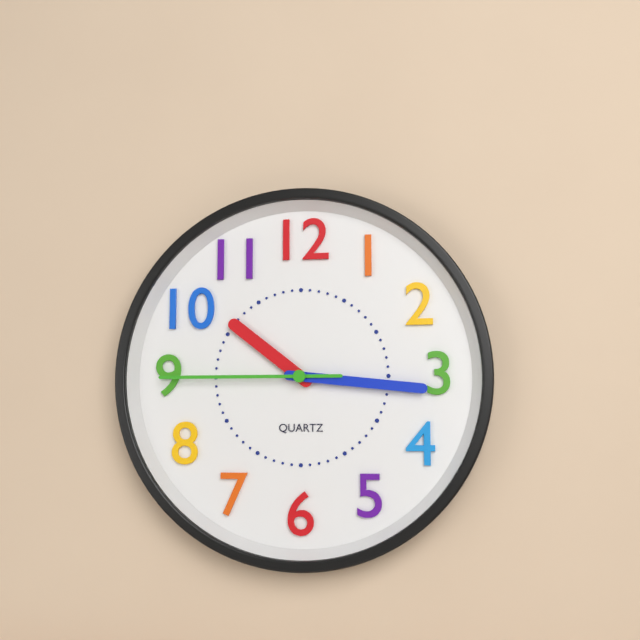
10:16:45
